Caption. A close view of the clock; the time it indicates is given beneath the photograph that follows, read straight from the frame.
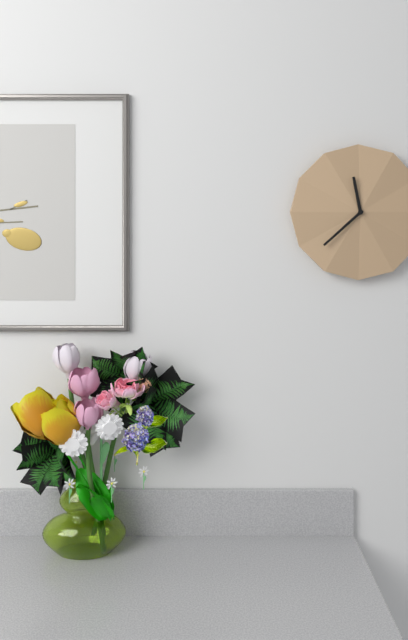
11:38
